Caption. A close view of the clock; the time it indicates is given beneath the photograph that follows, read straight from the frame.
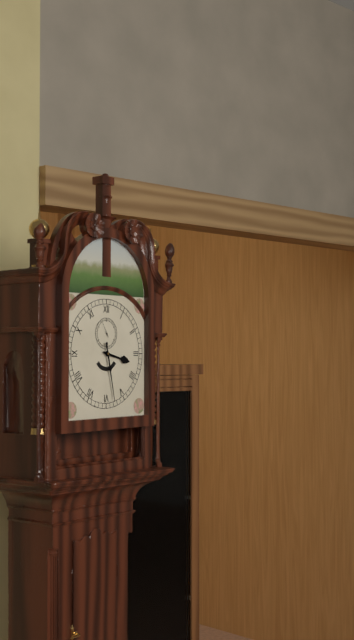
3:28
